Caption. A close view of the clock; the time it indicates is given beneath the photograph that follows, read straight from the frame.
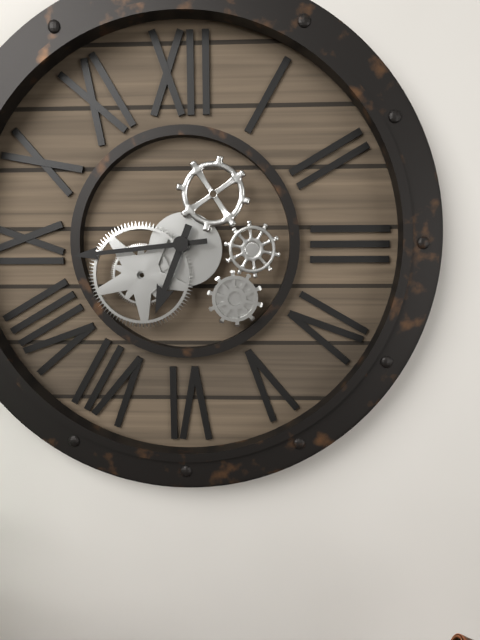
6:44
